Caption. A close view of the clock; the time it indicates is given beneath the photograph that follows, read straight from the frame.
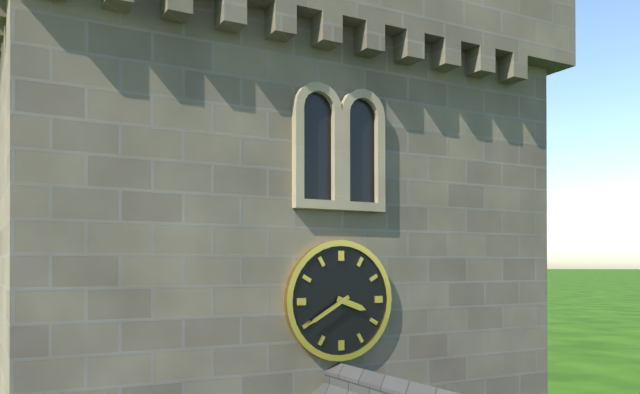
3:40
